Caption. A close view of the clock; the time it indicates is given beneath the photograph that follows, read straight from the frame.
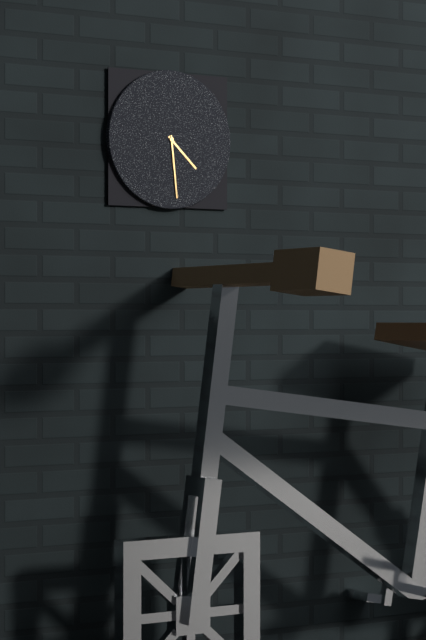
4:29
